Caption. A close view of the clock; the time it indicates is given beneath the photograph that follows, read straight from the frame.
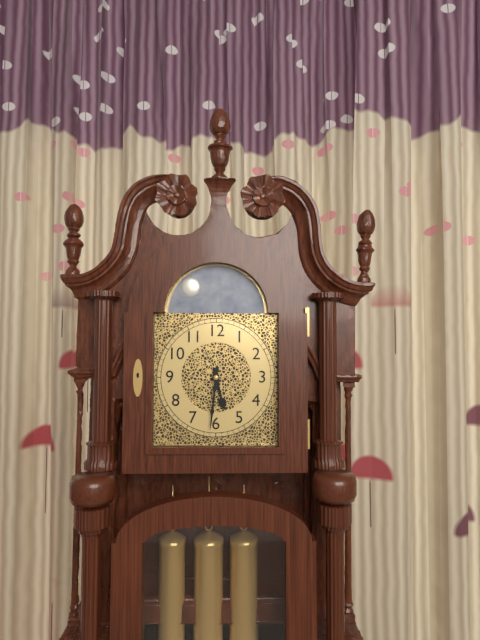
5:31
